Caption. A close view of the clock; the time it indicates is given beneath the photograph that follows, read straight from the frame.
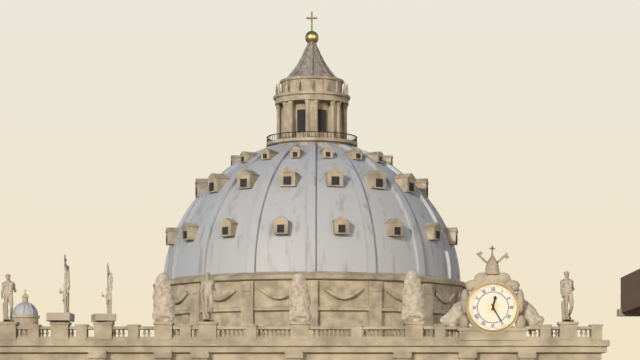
12:25
